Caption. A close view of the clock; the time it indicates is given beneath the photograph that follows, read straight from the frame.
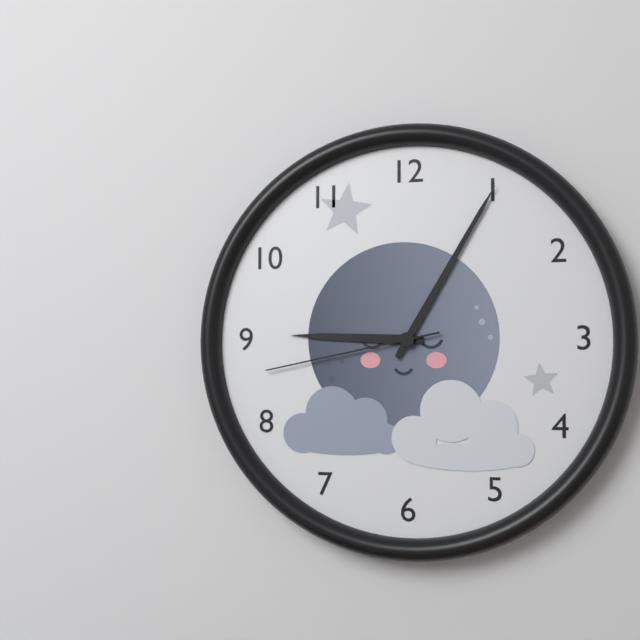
9:05:43
